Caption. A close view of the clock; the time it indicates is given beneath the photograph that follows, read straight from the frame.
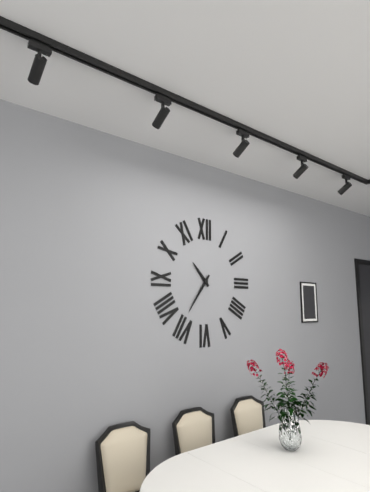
10:36
